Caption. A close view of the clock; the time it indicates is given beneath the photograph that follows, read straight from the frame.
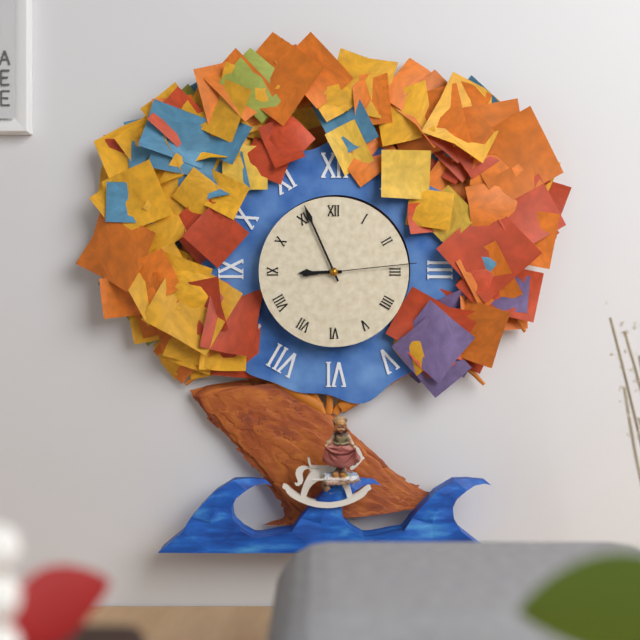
8:56:14
